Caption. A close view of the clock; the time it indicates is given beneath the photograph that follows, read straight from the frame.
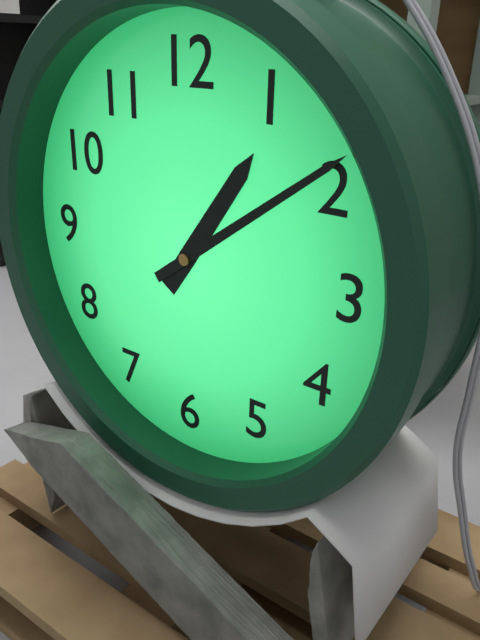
1:09
